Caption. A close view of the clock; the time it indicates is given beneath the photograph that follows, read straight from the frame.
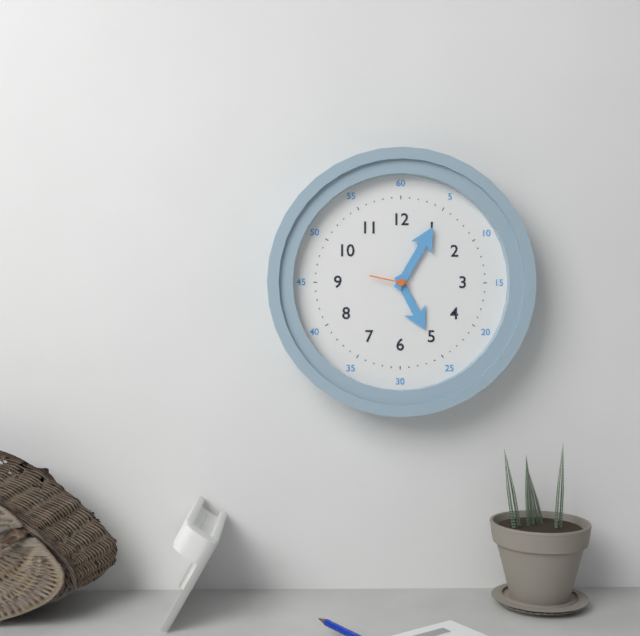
5:05
